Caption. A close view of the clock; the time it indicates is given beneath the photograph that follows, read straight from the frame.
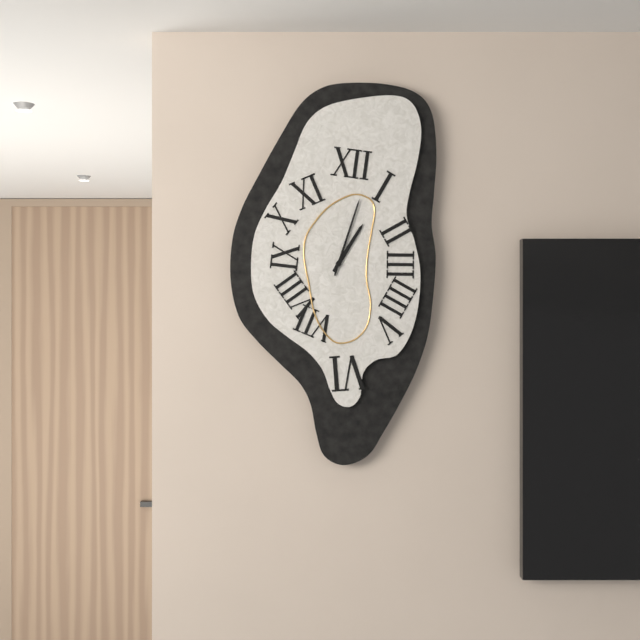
1:03
